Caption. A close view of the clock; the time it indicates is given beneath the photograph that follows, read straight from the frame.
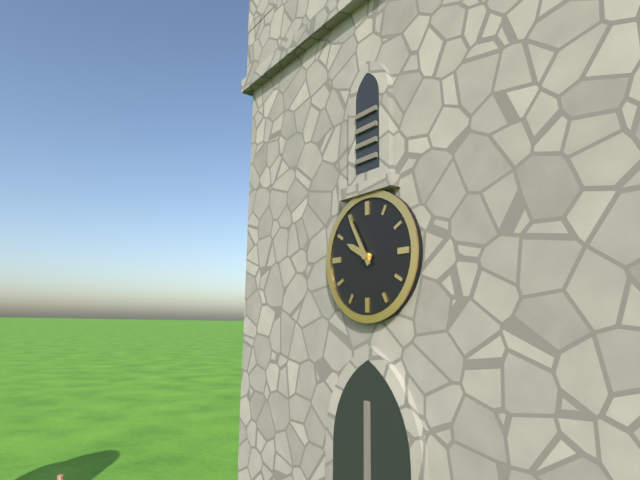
9:55
